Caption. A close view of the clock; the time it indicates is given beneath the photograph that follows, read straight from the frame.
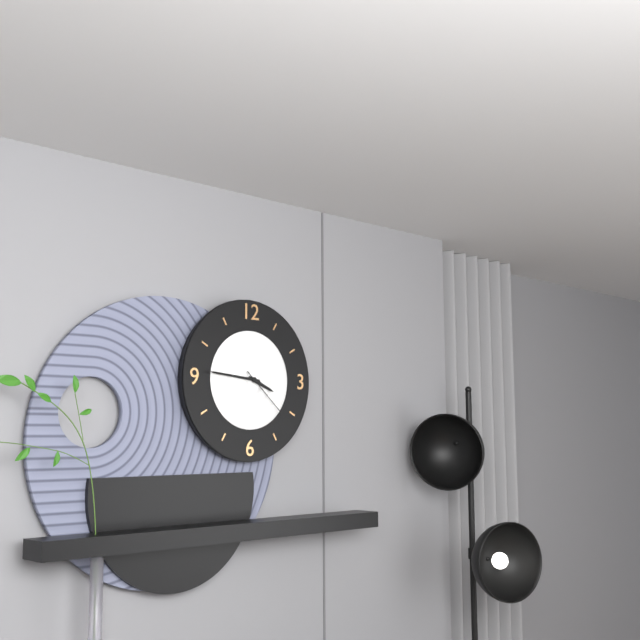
3:46:22
